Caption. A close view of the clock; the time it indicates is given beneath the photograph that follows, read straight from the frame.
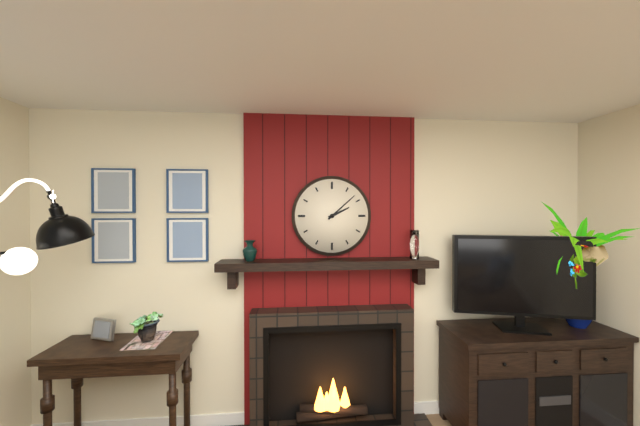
2:08
